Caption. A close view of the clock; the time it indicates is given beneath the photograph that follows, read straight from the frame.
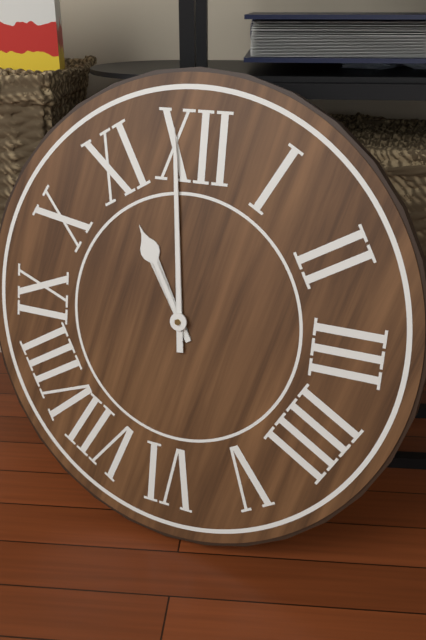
10:59
